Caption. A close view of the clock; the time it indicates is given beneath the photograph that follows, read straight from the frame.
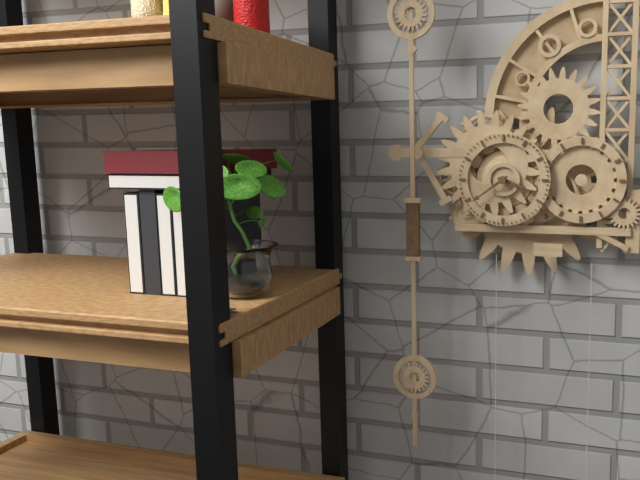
3:39
